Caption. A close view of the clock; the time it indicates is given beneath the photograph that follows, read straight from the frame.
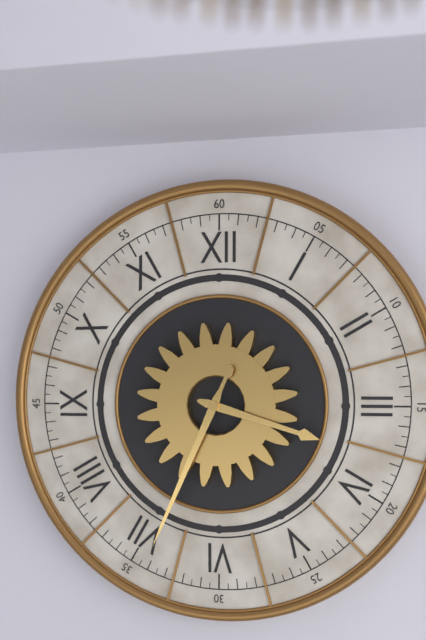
3:34
